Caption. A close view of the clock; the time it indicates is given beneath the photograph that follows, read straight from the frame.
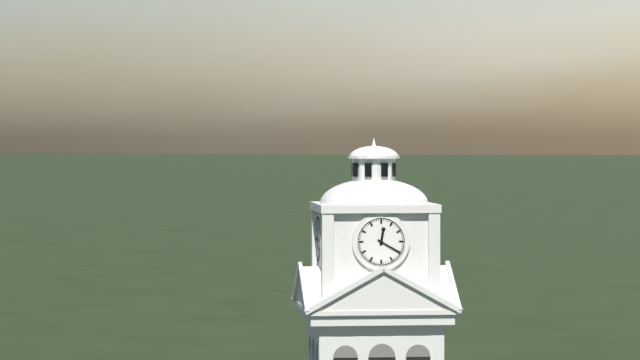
12:20
